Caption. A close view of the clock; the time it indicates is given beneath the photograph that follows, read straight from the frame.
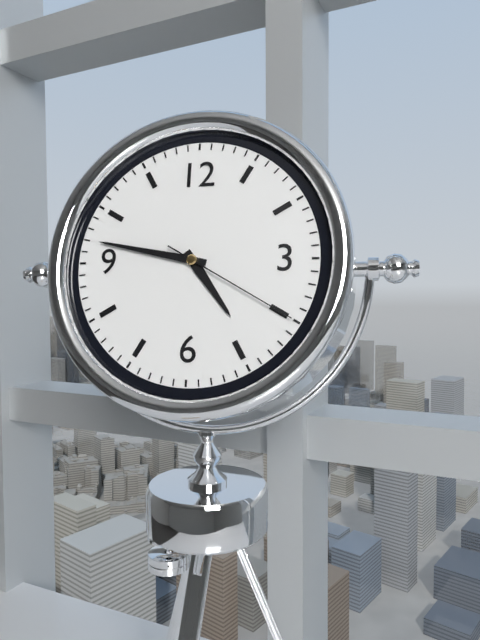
4:47:20
